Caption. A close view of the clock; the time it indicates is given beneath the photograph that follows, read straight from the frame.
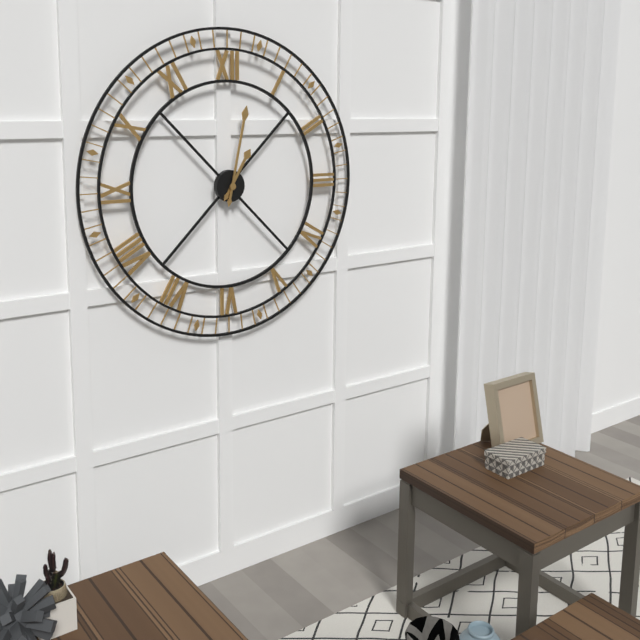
1:02
